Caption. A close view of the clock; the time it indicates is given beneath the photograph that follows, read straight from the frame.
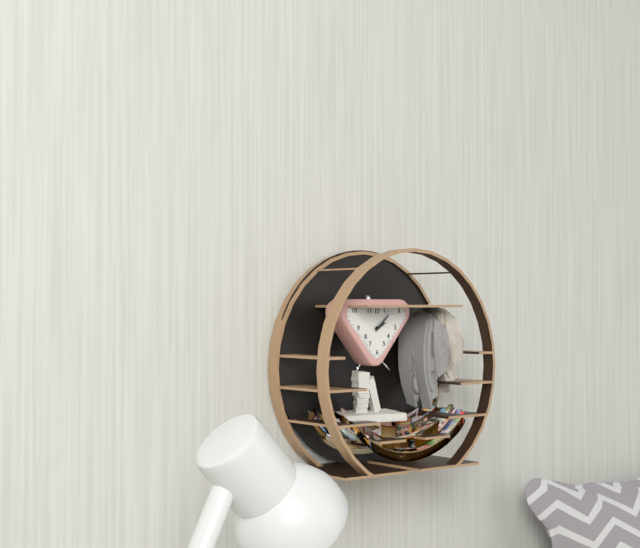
2:08
